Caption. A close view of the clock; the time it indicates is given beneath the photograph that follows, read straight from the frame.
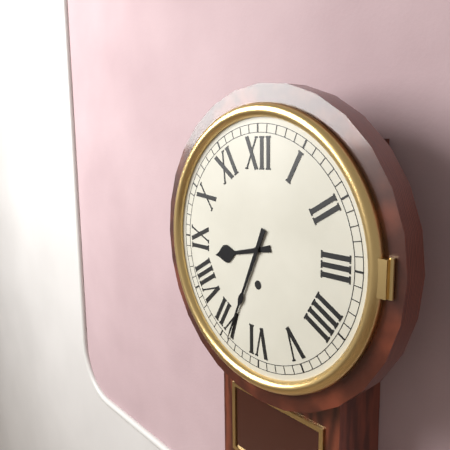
8:34
